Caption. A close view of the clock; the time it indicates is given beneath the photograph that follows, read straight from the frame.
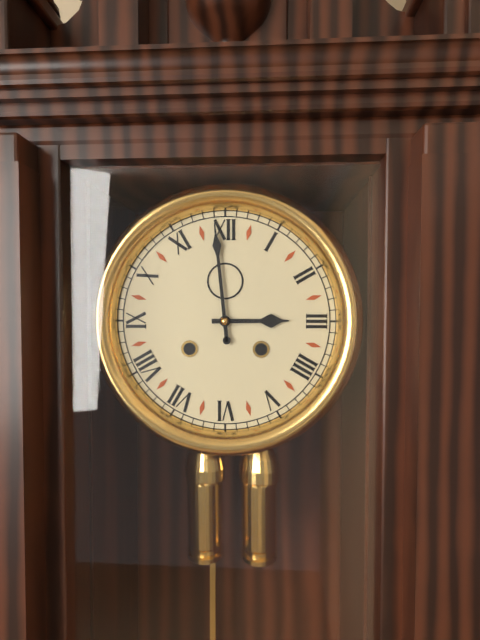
2:59
